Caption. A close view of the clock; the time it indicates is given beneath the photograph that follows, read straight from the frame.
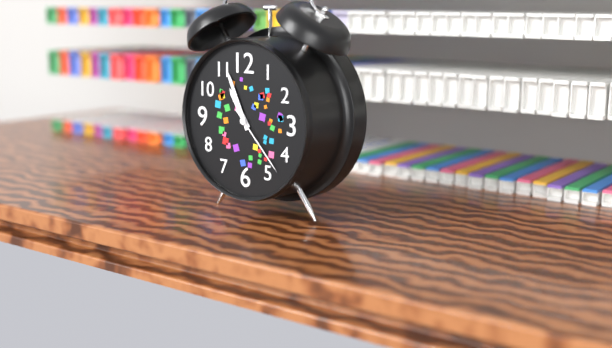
10:56:23
